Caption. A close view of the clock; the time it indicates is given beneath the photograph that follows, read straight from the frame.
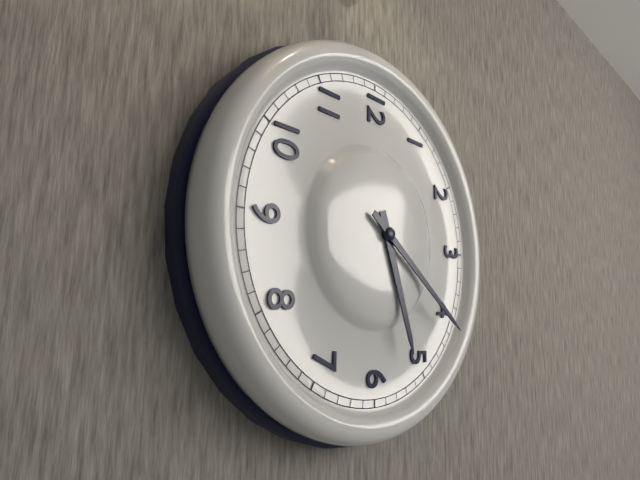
5:21
